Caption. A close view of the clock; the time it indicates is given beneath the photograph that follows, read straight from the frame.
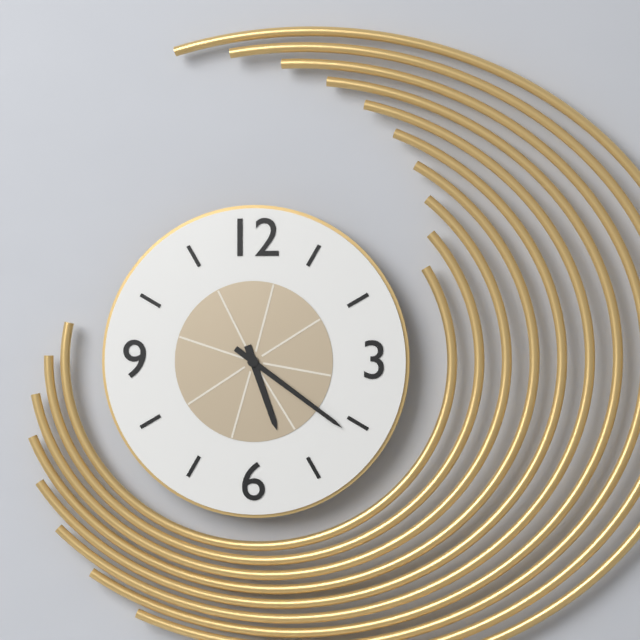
5:21
